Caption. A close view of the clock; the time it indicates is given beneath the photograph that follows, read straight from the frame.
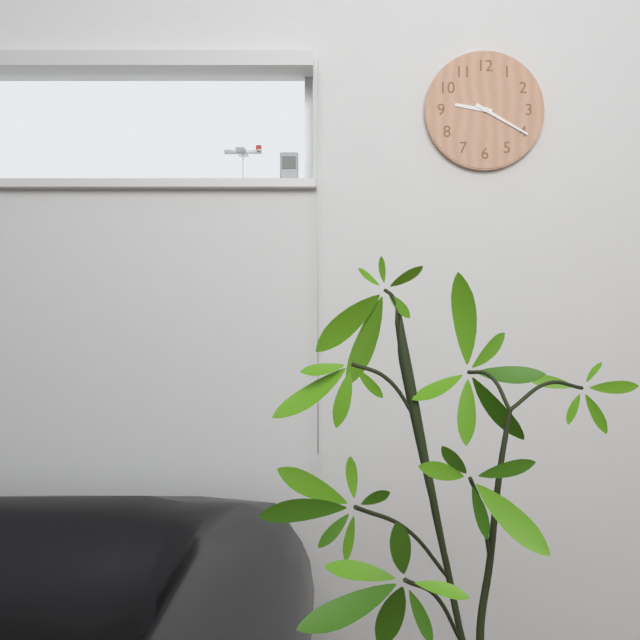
9:20
